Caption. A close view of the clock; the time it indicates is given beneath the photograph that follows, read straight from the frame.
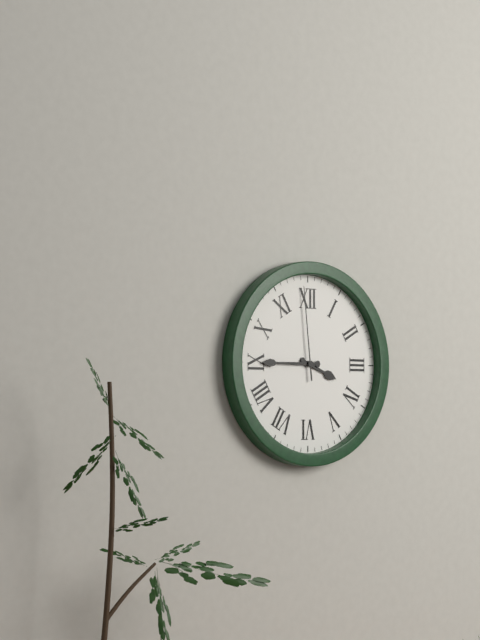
3:45:59
